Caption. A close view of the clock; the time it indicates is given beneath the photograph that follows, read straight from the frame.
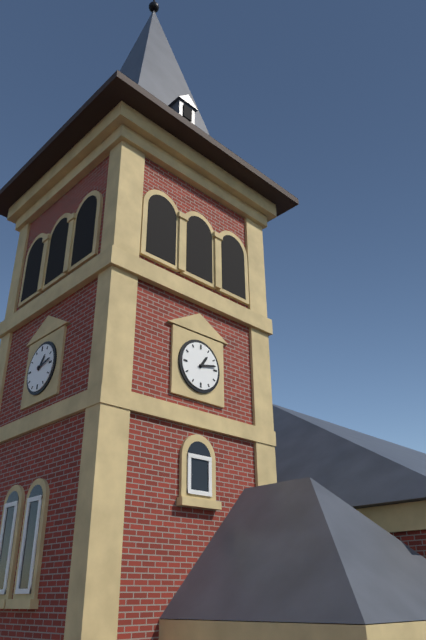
1:13
